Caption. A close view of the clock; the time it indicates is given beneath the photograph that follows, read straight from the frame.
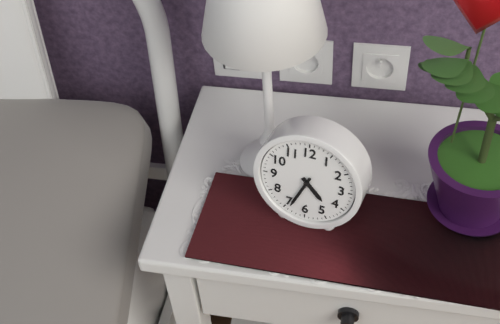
4:34
